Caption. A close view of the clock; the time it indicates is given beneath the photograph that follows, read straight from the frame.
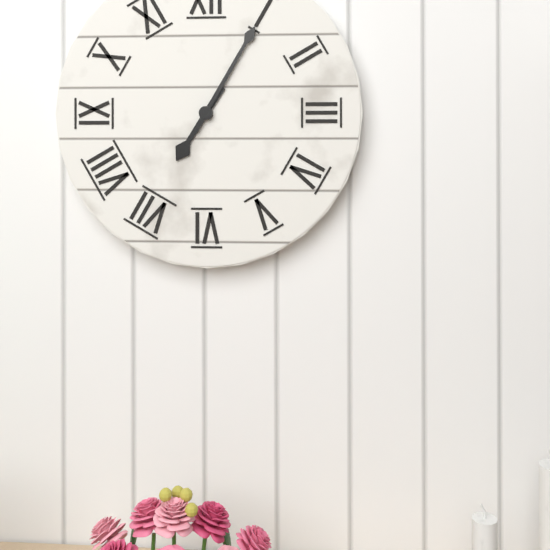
7:05
